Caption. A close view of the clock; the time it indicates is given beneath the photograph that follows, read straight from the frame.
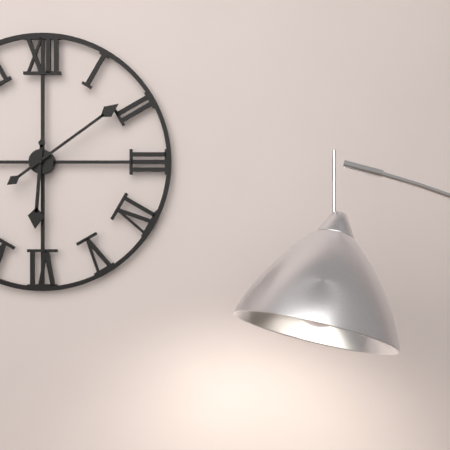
6:09
